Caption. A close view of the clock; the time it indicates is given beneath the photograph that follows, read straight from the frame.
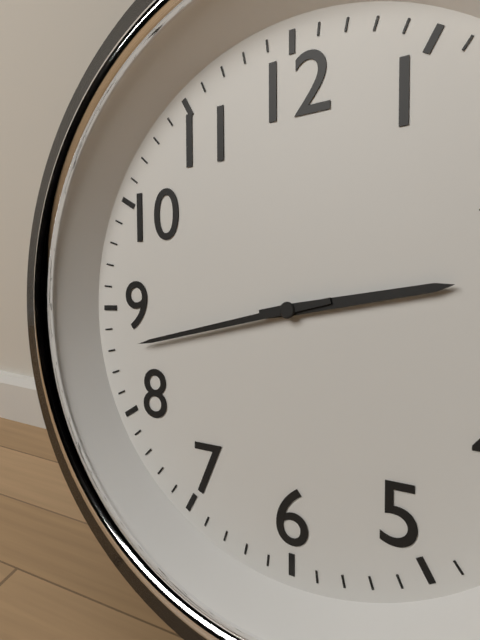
2:43
